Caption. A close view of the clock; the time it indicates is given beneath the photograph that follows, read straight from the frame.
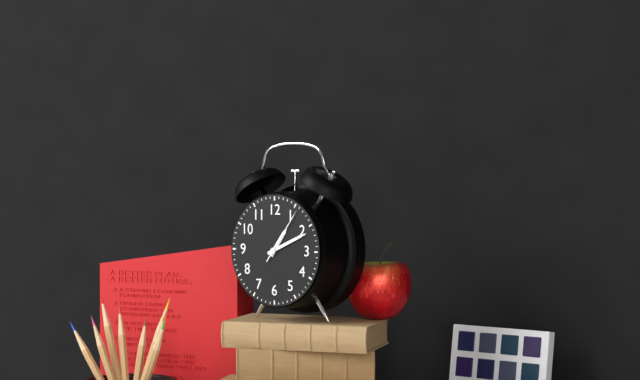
1:11:06
